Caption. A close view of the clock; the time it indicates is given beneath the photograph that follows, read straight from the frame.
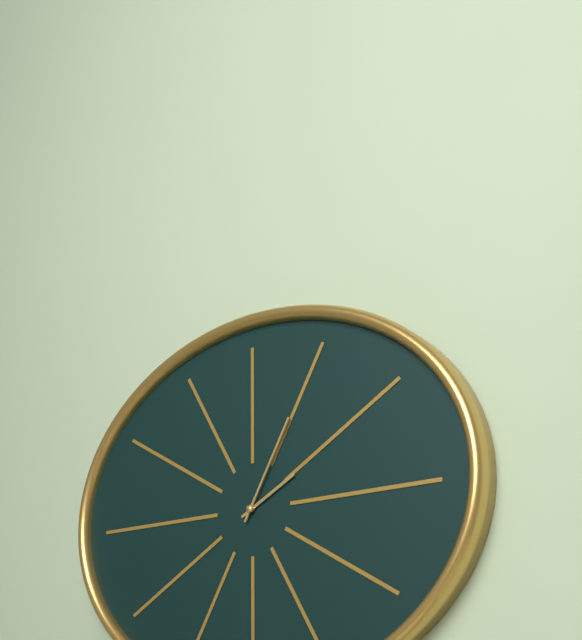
2:05
